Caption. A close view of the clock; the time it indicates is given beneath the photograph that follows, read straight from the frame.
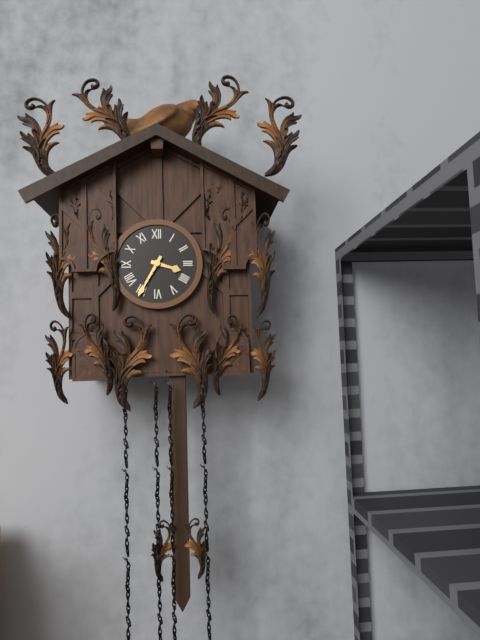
3:35
